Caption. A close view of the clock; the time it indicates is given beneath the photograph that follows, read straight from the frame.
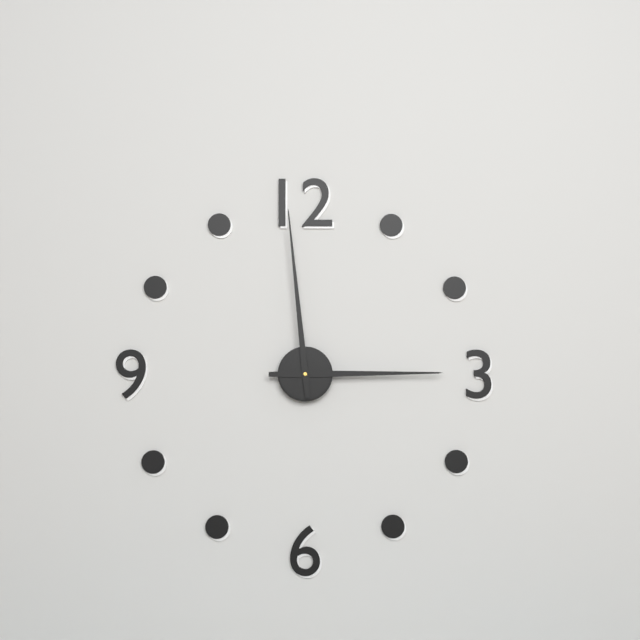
2:59
